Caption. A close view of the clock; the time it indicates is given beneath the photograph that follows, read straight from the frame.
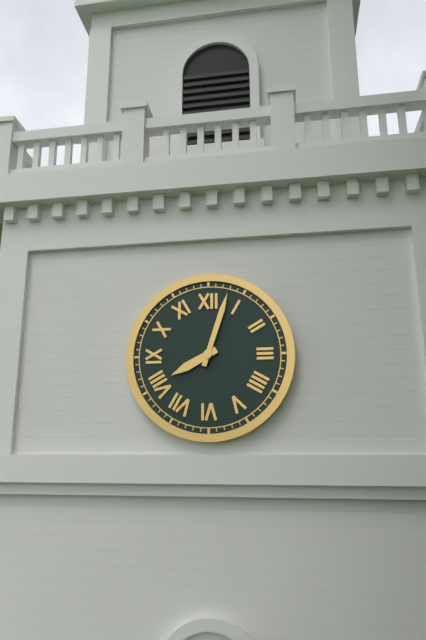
8:03
